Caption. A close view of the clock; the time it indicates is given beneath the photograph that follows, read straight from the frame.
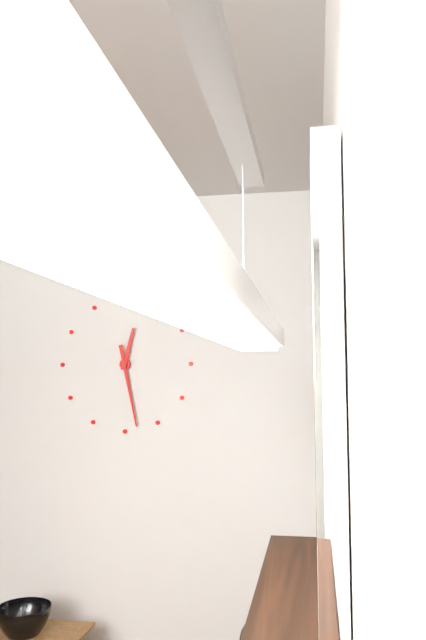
12:28
